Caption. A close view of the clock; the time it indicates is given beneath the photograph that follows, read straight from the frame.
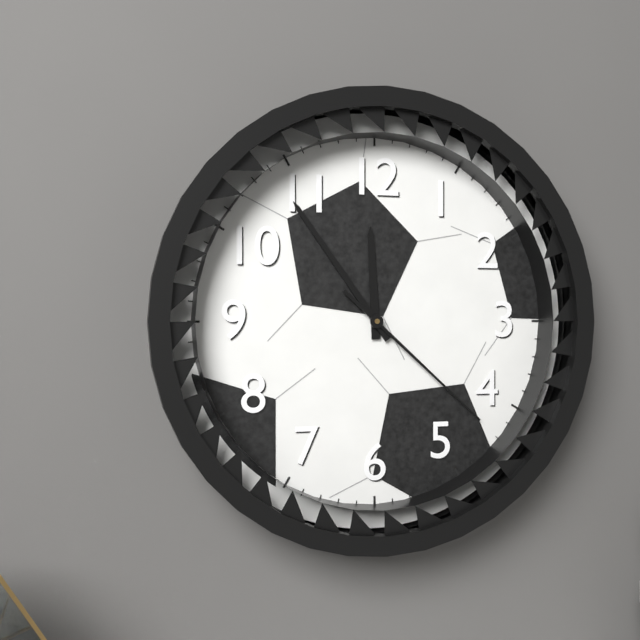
11:54:22
